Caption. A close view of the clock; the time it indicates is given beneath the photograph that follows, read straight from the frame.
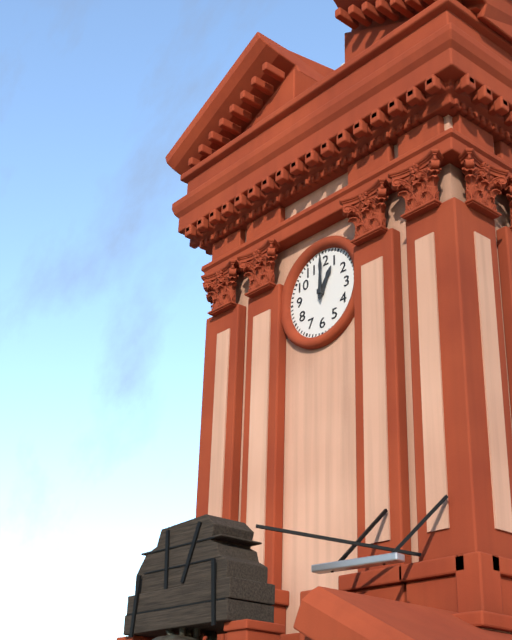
1:00
